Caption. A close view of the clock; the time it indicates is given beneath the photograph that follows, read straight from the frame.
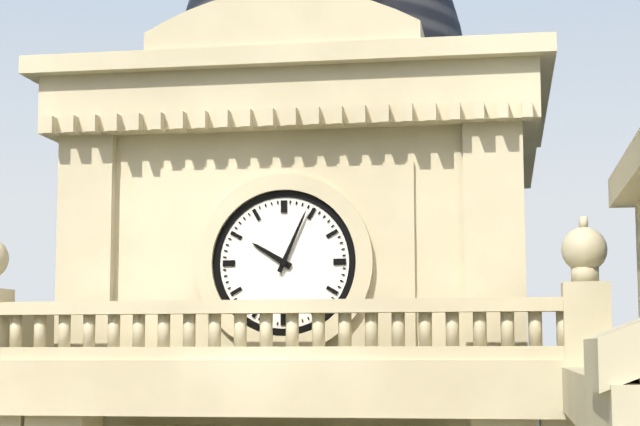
10:04
